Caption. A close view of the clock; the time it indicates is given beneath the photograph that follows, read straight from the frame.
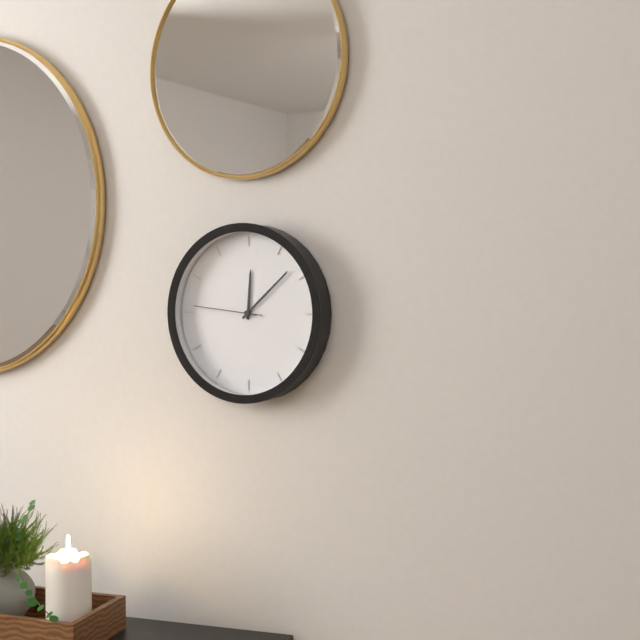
12:08:46
